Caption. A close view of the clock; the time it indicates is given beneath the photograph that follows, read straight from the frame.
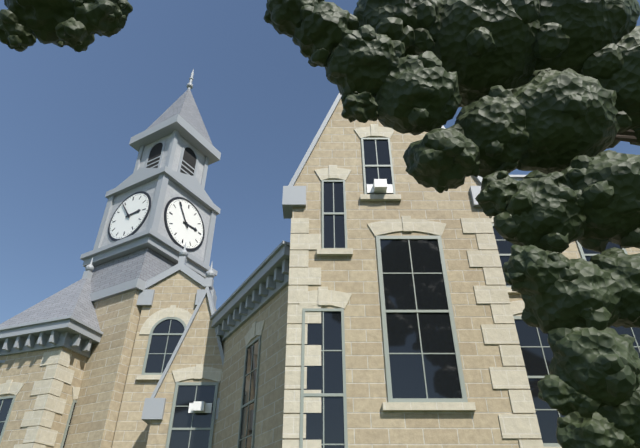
2:54
